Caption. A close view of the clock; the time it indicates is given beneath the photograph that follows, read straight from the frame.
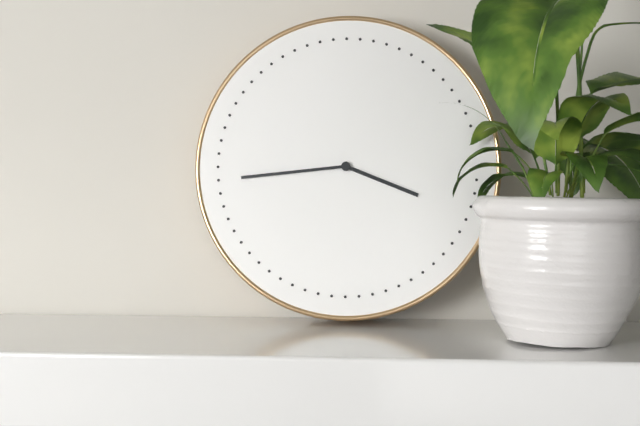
3:44
